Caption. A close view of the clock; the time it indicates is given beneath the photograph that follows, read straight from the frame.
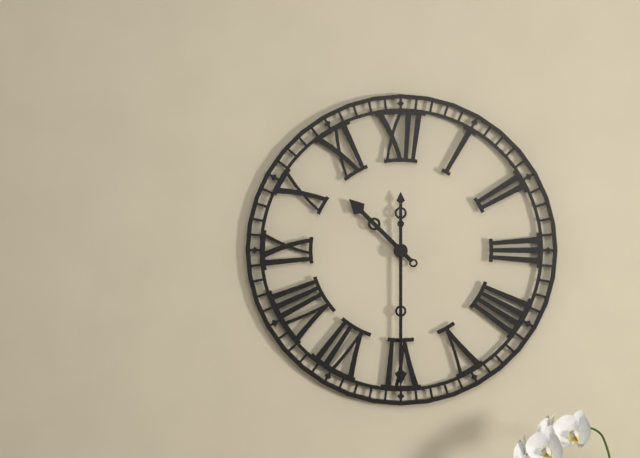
10:30:30
